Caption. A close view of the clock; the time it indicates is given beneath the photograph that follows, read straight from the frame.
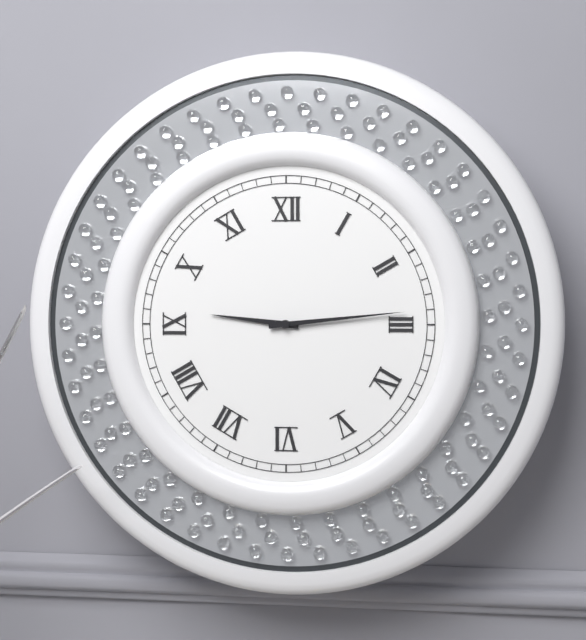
9:14
